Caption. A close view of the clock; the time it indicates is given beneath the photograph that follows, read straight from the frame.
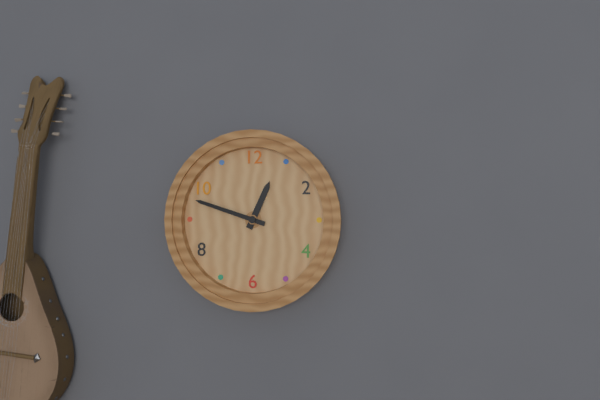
12:48
